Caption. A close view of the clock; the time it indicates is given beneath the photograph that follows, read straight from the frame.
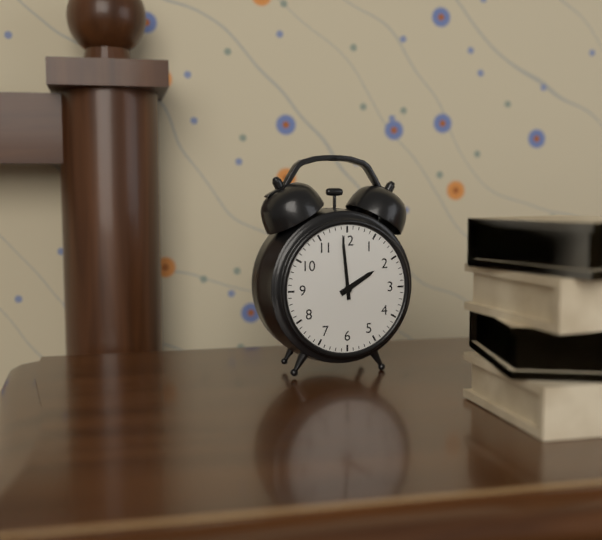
1:59
